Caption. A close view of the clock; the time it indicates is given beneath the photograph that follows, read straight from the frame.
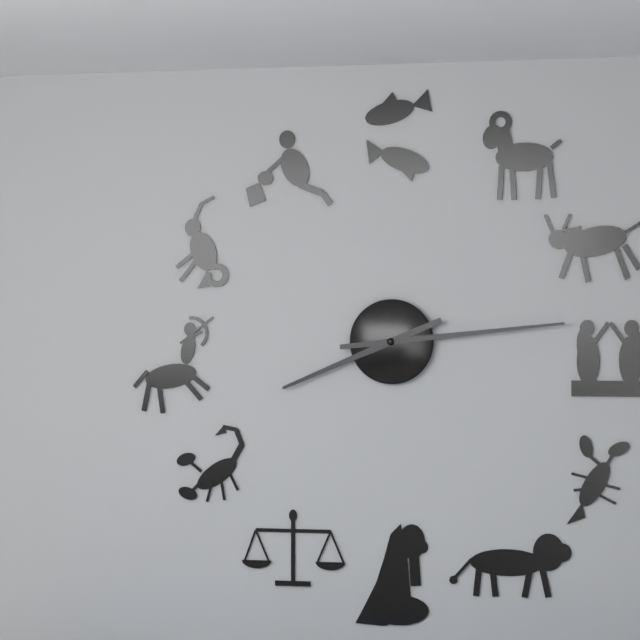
8:14
